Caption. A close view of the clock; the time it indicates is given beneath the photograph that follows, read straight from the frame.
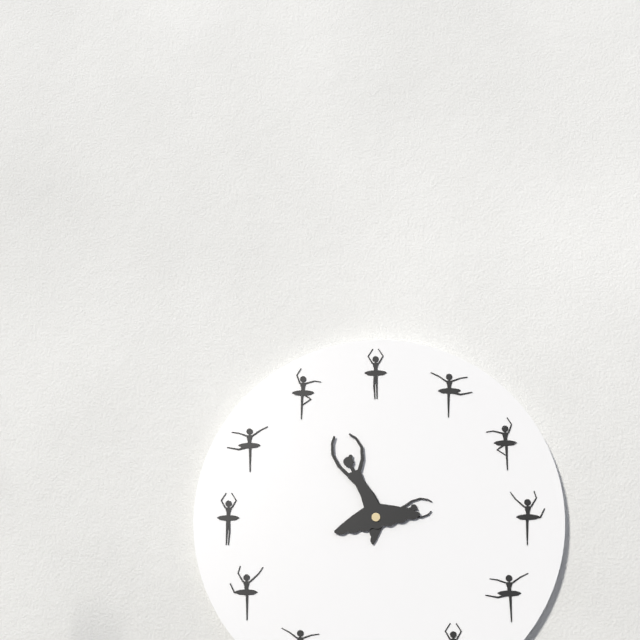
2:58
